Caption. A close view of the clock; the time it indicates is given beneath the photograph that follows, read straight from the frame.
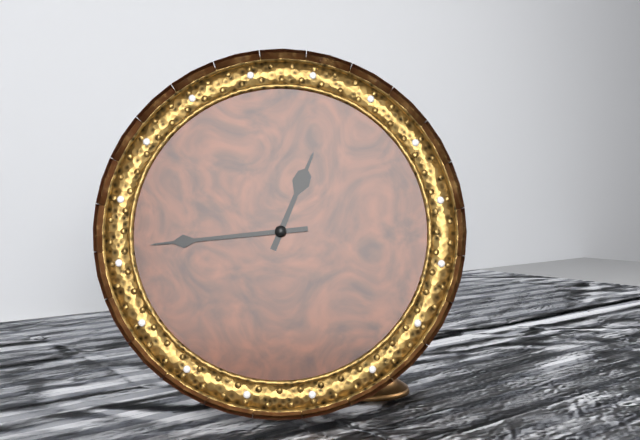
12:44
